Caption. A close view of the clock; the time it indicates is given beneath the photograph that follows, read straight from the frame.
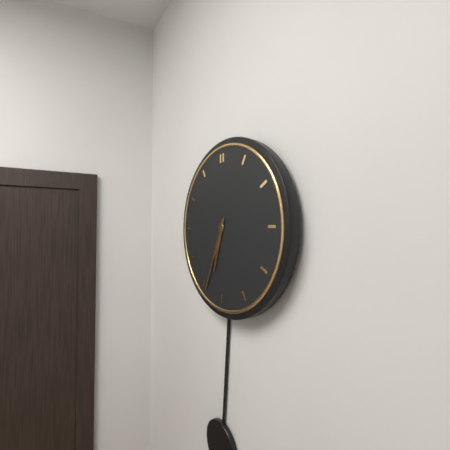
6:34
